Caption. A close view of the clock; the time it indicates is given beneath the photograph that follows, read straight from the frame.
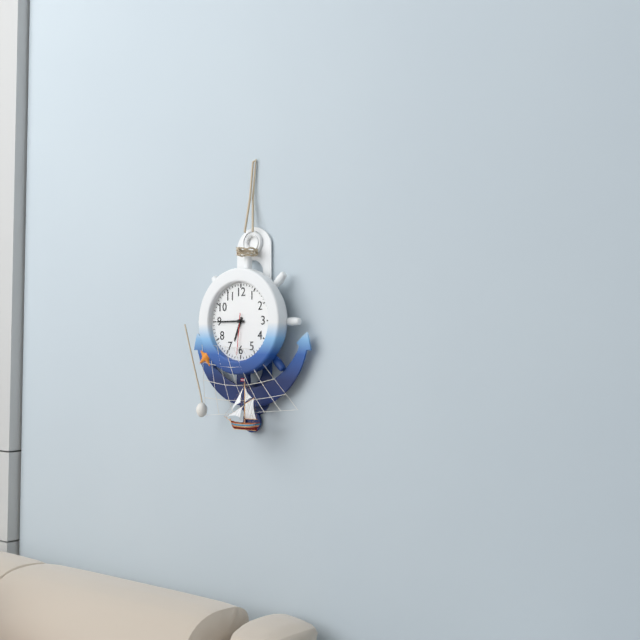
6:45
